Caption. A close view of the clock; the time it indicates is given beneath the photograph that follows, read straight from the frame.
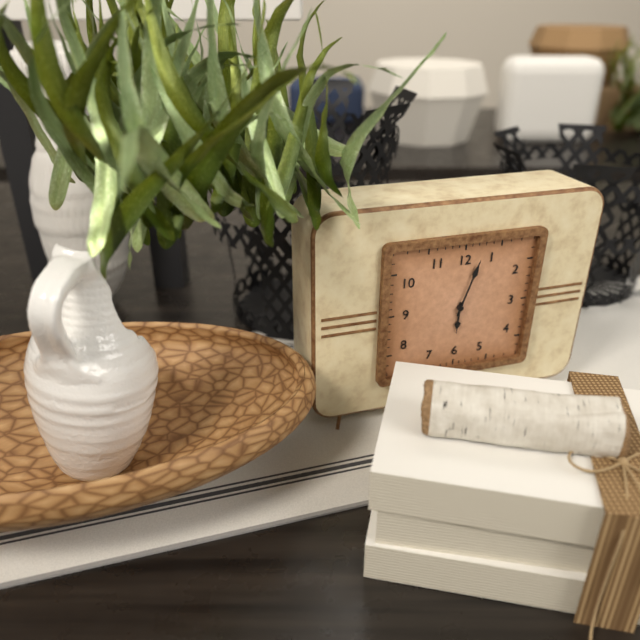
6:03
